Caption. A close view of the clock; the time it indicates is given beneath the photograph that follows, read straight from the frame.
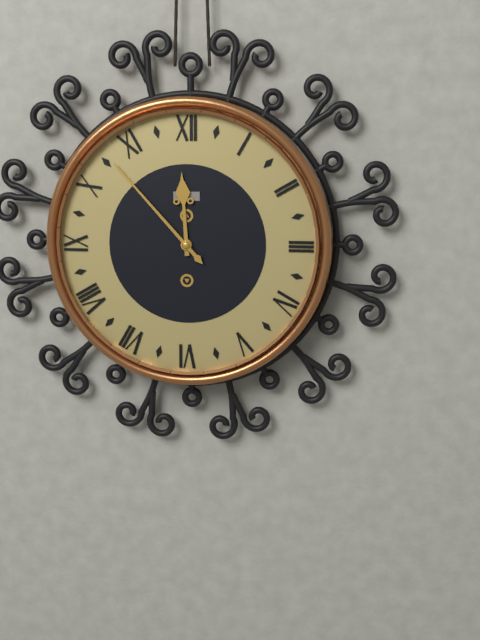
11:53
